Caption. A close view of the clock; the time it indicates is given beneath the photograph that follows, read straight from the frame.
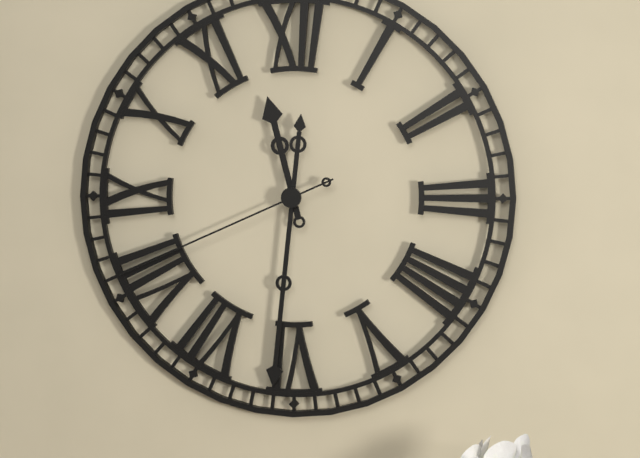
11:31:41
